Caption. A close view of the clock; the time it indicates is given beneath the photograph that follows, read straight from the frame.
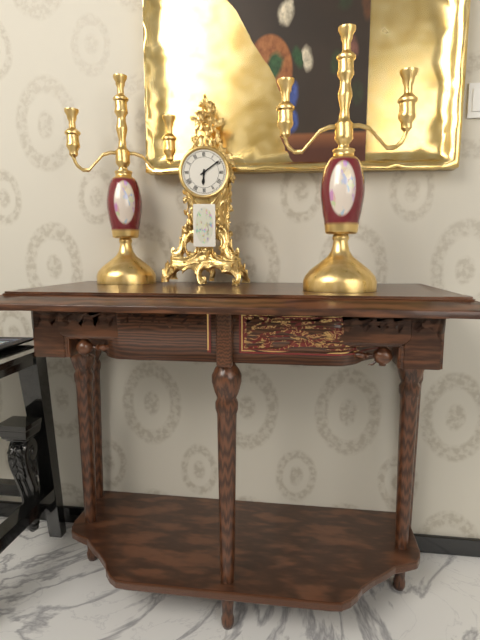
6:09
